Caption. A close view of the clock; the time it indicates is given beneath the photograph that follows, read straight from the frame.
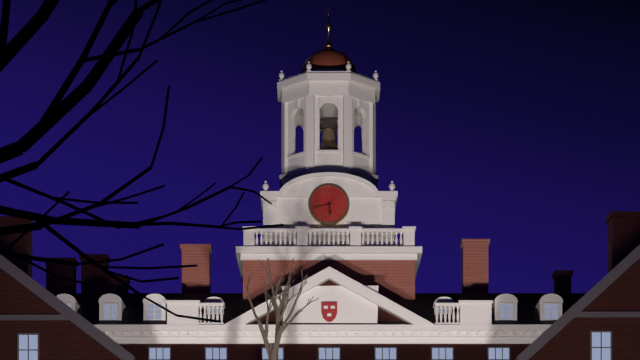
5:43
